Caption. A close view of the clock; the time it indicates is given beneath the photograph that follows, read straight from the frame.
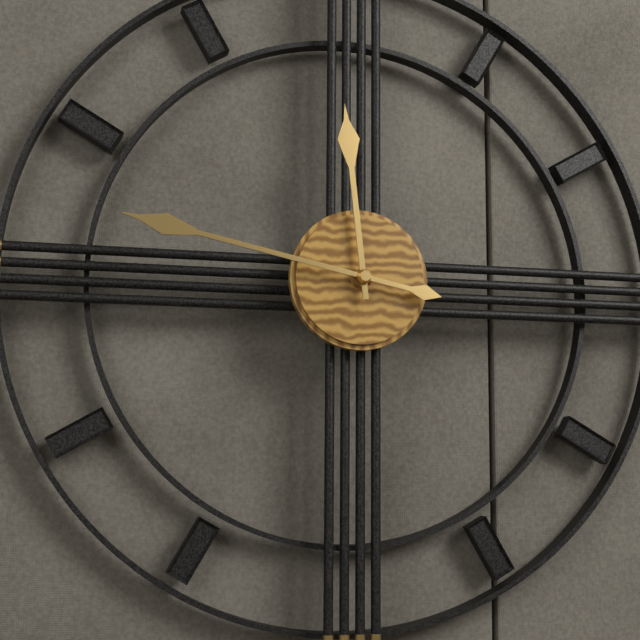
11:47
